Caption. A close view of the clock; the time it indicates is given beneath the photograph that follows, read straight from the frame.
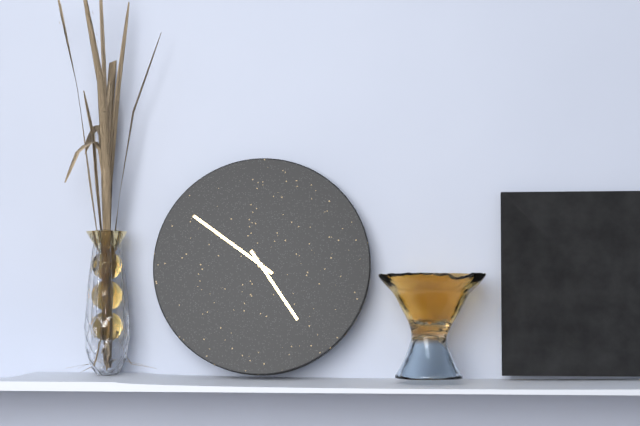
4:51
